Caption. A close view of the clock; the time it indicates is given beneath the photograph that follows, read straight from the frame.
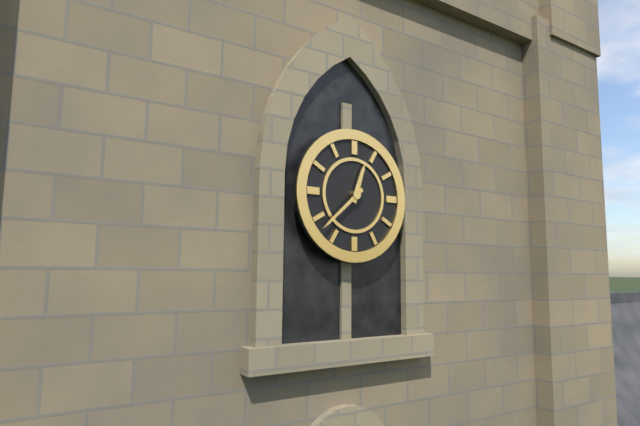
12:38
